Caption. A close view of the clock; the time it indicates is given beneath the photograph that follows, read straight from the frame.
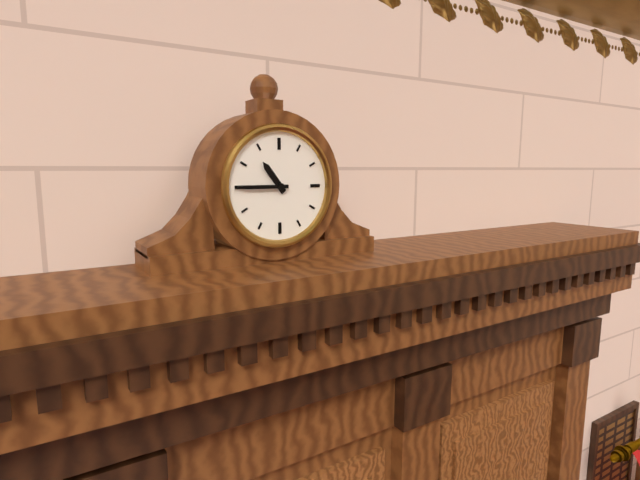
10:45
